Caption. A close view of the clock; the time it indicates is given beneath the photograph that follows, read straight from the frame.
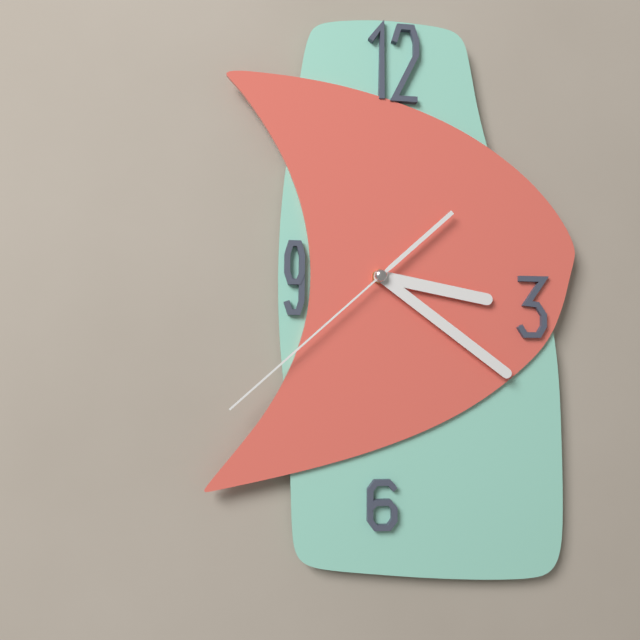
3:21:38
